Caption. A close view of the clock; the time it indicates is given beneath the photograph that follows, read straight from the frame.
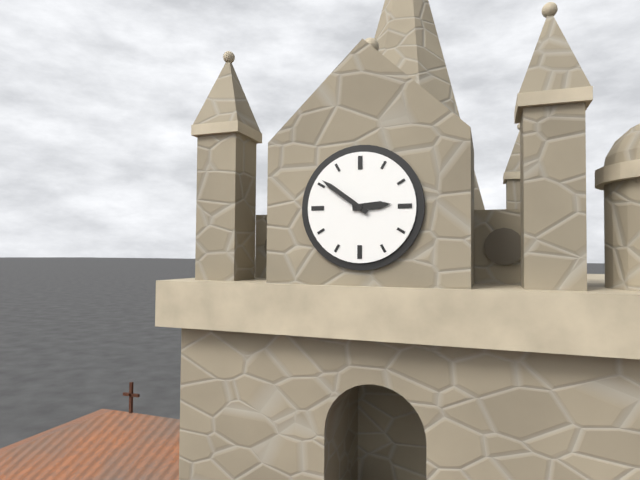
2:51
